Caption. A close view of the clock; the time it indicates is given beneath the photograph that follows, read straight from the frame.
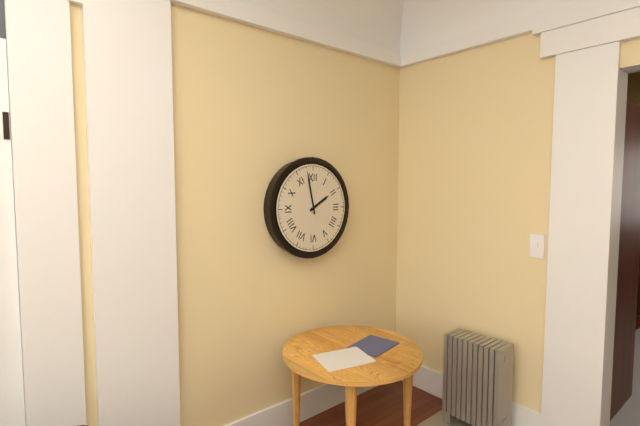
1:58
